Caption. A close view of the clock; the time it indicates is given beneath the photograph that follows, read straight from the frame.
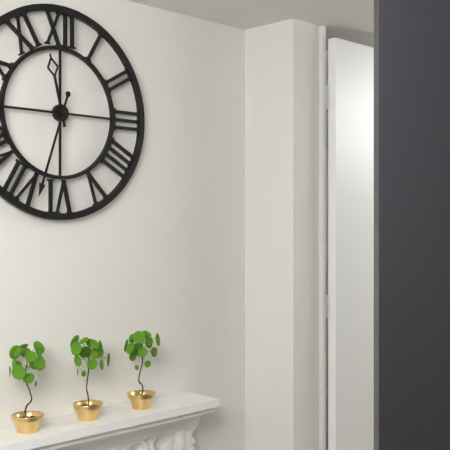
11:33
